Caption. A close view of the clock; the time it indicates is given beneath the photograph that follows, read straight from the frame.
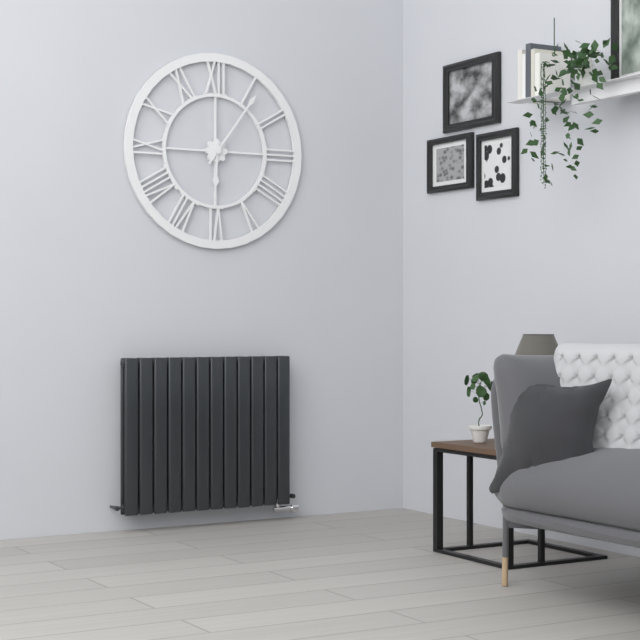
6:06
